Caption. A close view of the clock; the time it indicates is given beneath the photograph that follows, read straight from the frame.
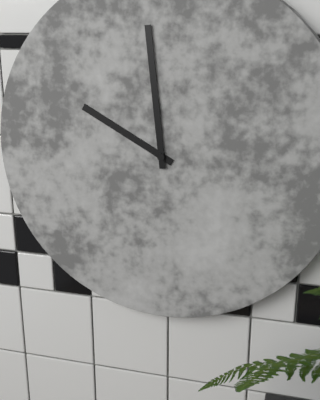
9:59
